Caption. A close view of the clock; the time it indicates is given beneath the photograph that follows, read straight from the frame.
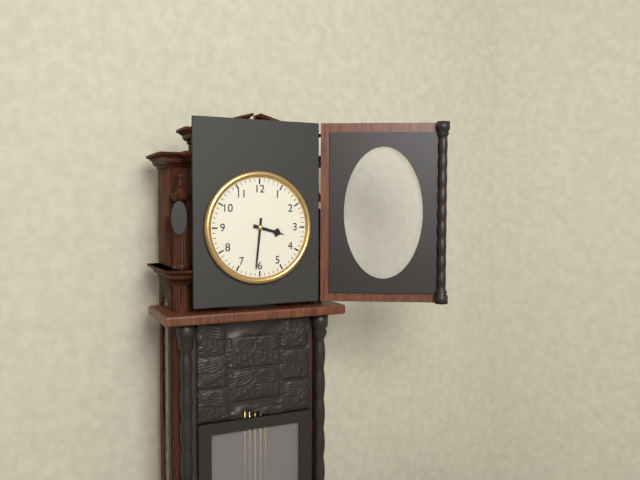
3:31
